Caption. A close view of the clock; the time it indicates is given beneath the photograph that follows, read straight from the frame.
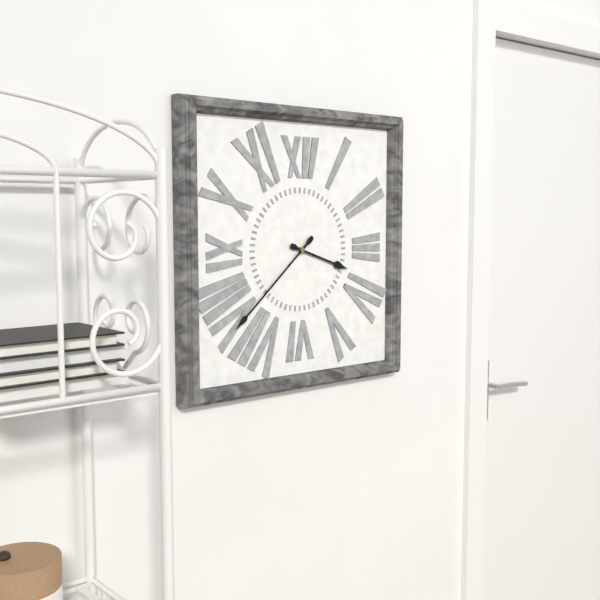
3:38
